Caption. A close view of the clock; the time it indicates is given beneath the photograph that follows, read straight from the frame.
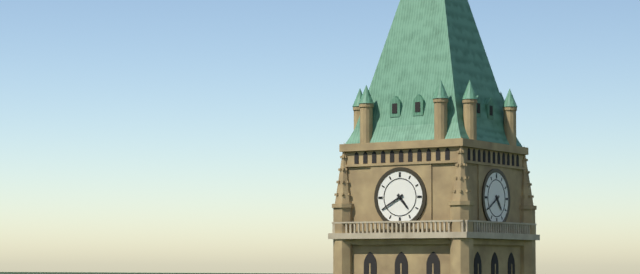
4:40
